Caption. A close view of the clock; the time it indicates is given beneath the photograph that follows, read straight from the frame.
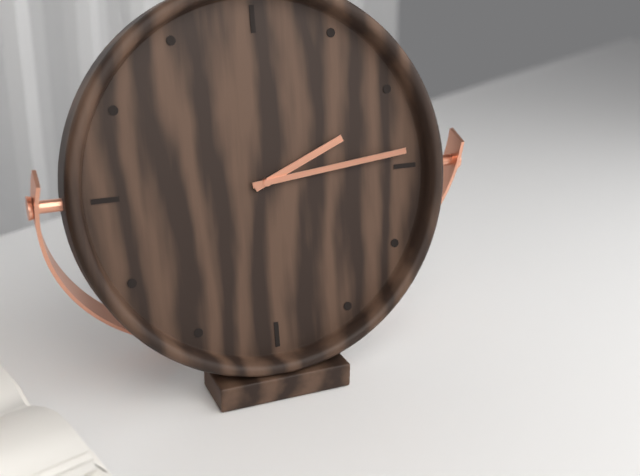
2:14
